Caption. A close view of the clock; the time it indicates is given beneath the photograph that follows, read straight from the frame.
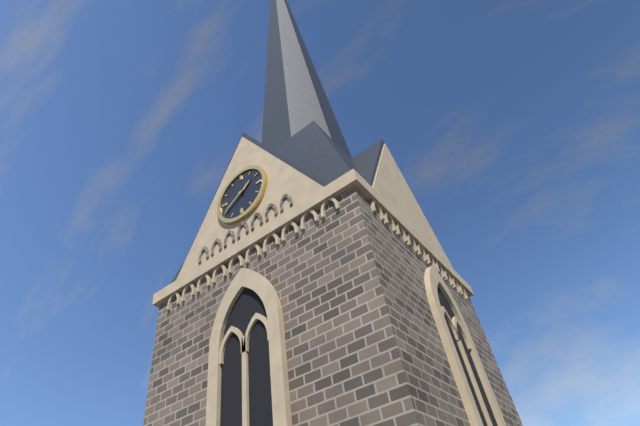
1:40
